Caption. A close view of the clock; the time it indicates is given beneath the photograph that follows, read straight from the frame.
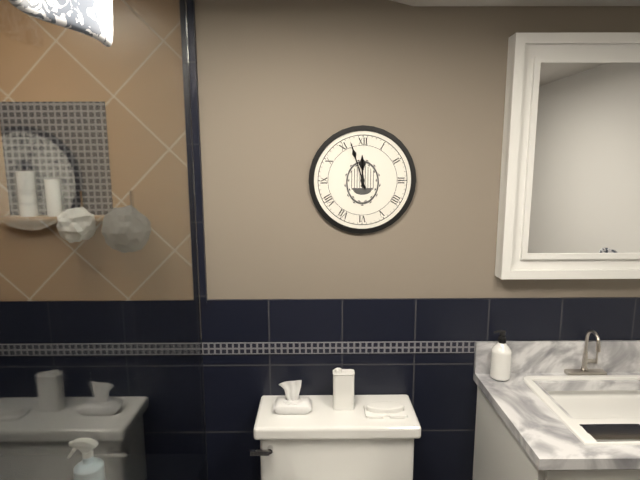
11:57
